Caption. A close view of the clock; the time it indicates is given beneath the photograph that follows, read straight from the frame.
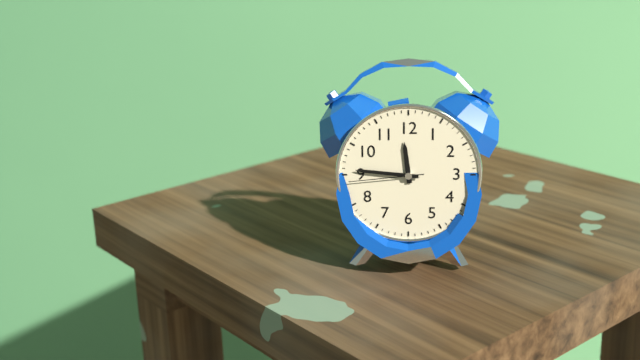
11:46:44
